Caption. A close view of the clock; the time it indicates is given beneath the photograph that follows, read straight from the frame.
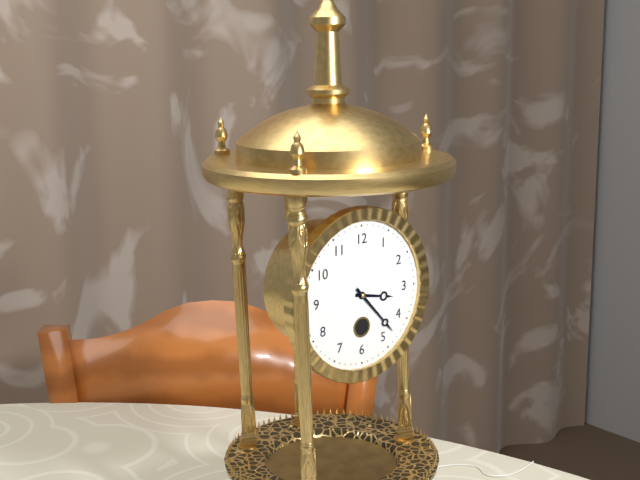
3:23
